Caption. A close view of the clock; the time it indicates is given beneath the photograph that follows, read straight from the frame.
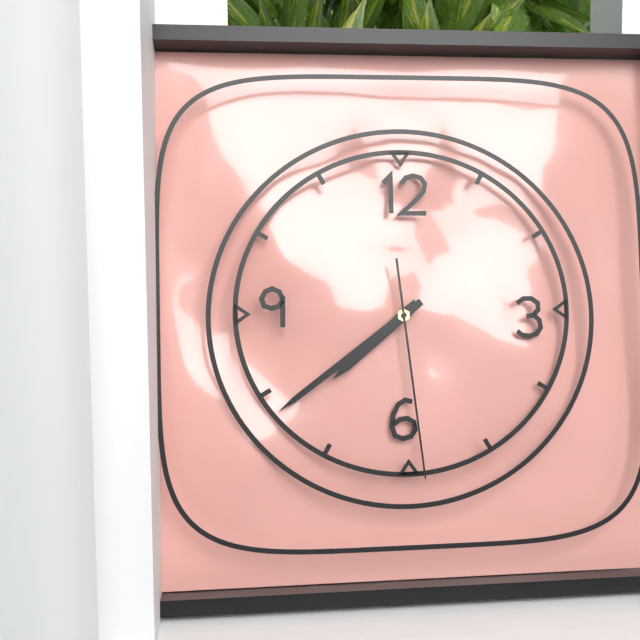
7:39:29
